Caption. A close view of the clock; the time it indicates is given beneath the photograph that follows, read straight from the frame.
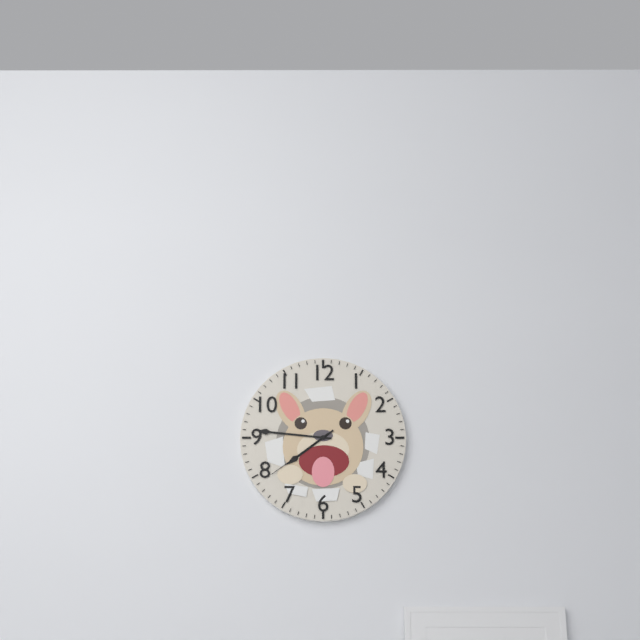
7:46:39
